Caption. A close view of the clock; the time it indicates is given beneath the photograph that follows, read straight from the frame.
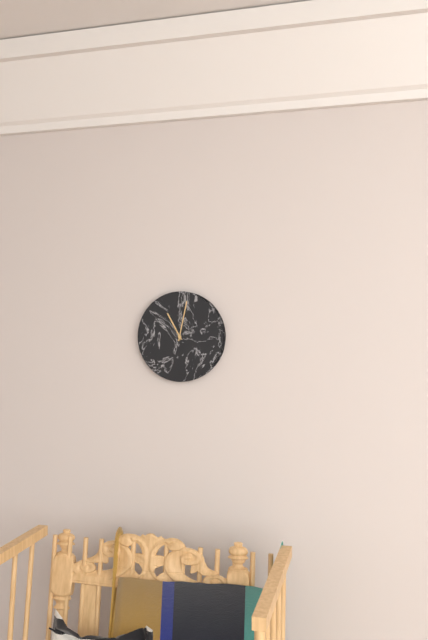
11:02
